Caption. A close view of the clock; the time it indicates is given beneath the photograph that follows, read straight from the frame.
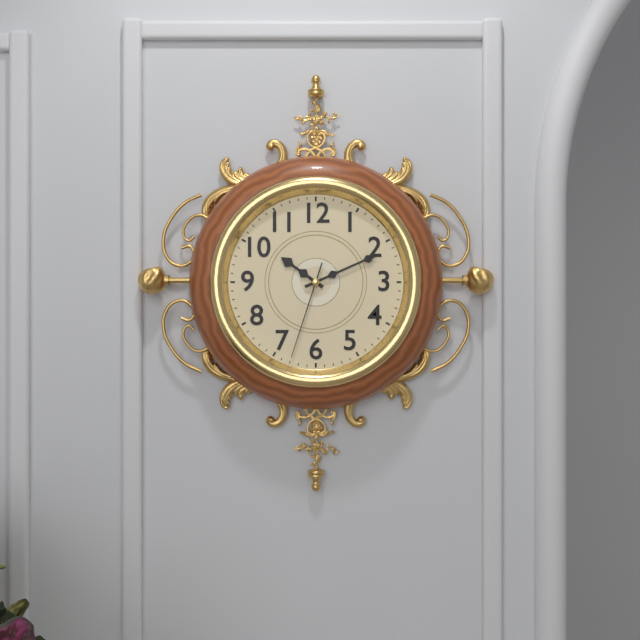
10:11:33
